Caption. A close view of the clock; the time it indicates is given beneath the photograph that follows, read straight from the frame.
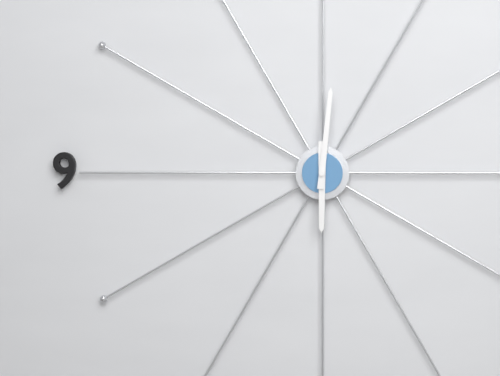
6:01
